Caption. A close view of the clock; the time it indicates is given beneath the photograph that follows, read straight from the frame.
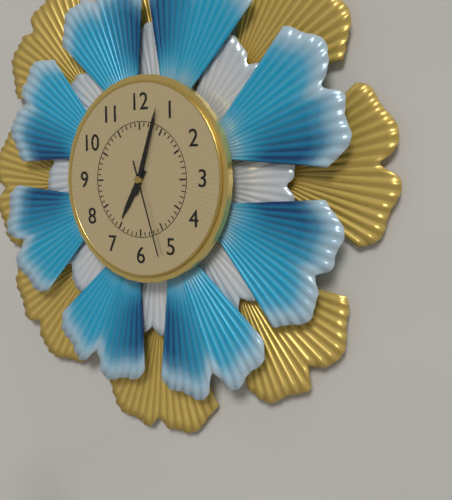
7:03:27
